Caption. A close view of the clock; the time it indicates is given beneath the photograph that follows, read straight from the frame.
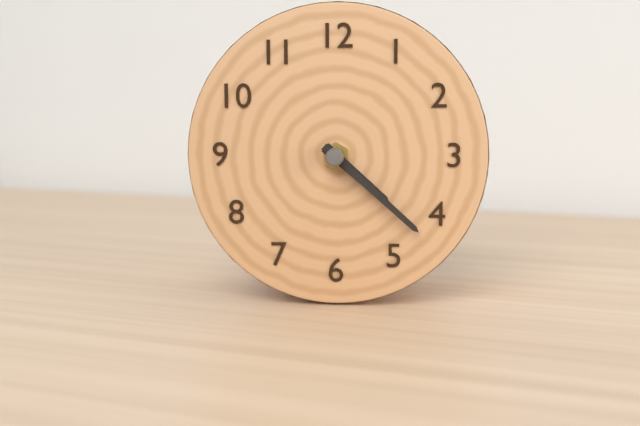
4:22
